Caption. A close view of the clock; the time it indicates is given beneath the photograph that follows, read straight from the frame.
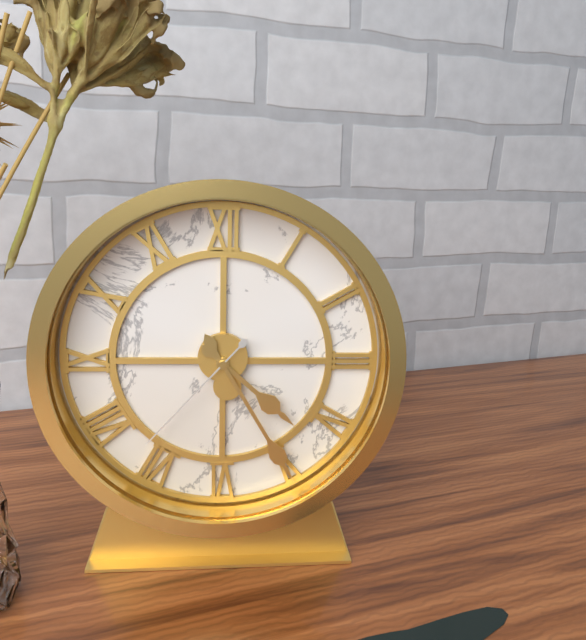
4:25:37
